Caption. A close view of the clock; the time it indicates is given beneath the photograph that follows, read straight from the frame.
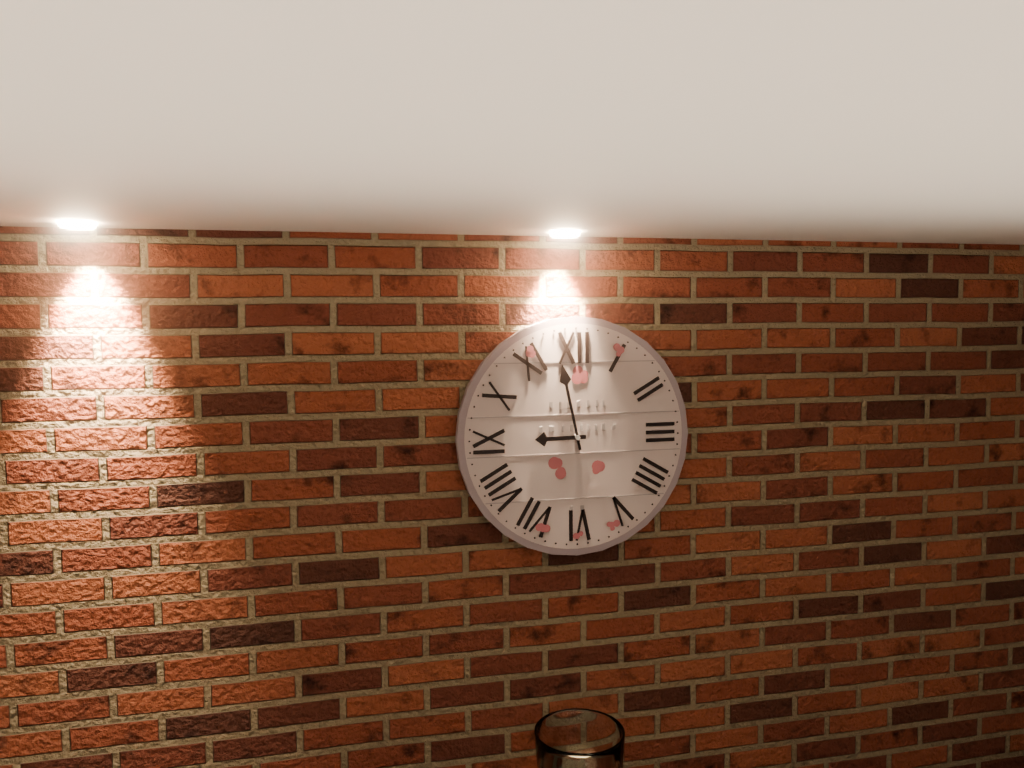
8:58
